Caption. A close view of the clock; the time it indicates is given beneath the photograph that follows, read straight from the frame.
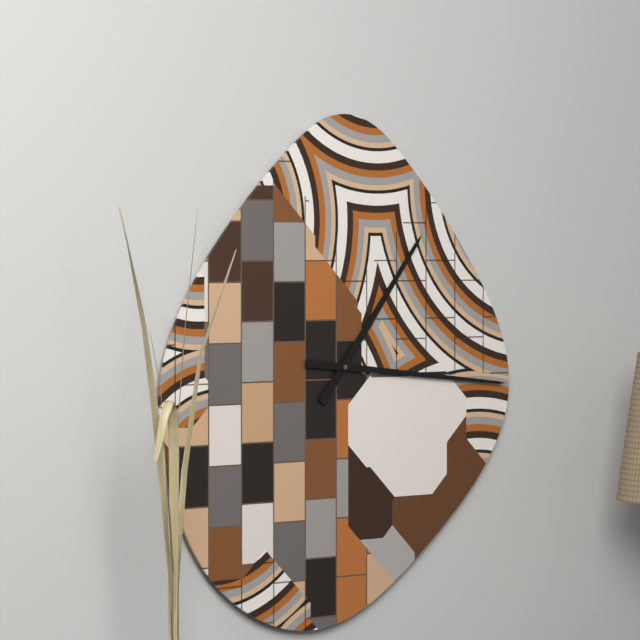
1:16
